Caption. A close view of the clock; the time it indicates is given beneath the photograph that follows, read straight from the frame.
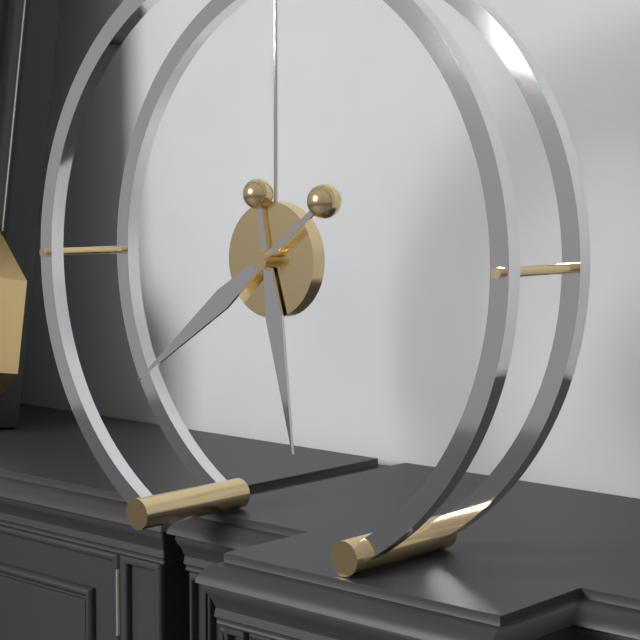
5:39
